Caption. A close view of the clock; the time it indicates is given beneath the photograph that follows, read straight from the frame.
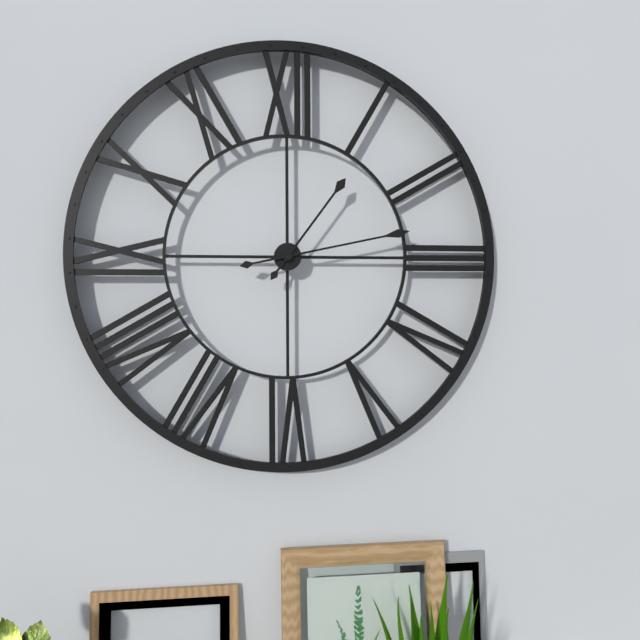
1:13
